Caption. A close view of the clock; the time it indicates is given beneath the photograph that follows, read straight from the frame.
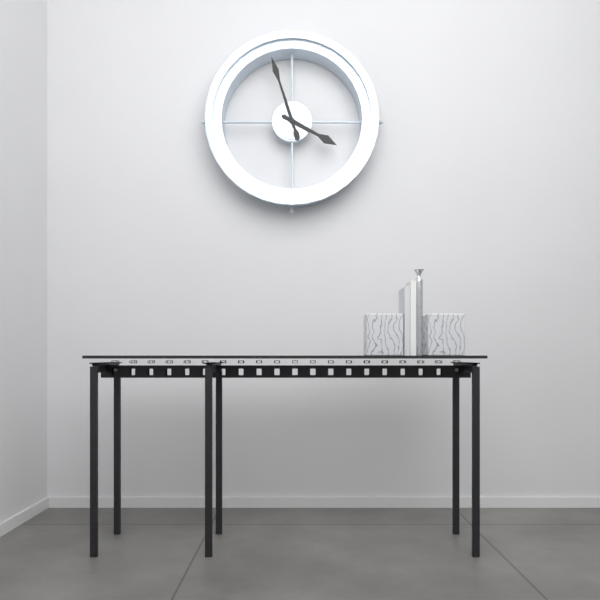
3:57
